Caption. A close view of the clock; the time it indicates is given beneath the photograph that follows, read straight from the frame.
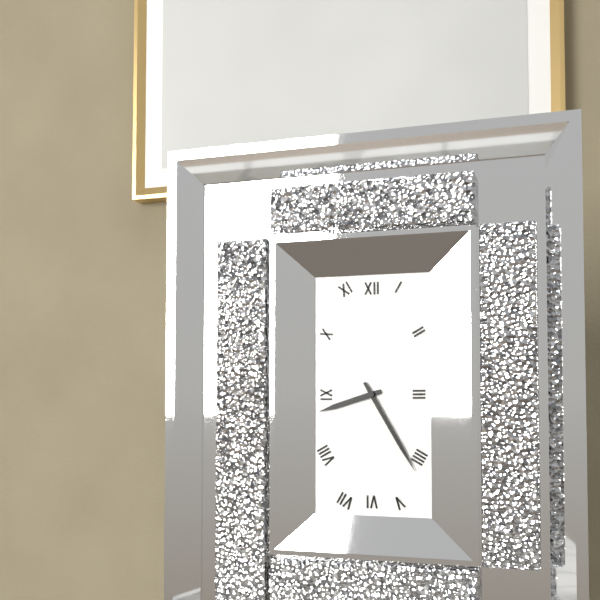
8:25
